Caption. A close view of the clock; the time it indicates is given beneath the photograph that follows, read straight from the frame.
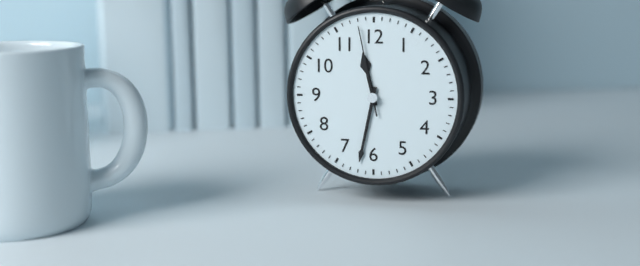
11:32:58
